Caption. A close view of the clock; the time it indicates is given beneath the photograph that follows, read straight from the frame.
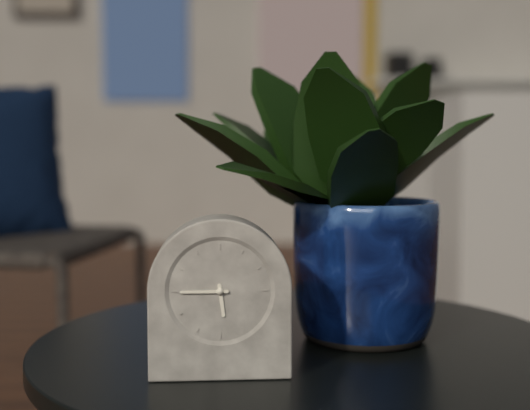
5:45
